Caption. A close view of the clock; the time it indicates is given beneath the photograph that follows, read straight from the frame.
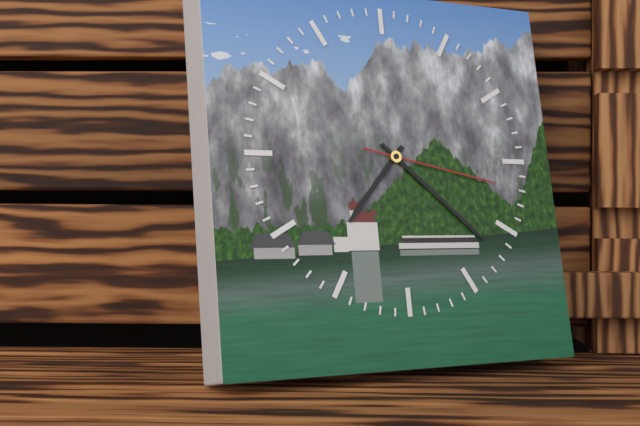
7:22:17
